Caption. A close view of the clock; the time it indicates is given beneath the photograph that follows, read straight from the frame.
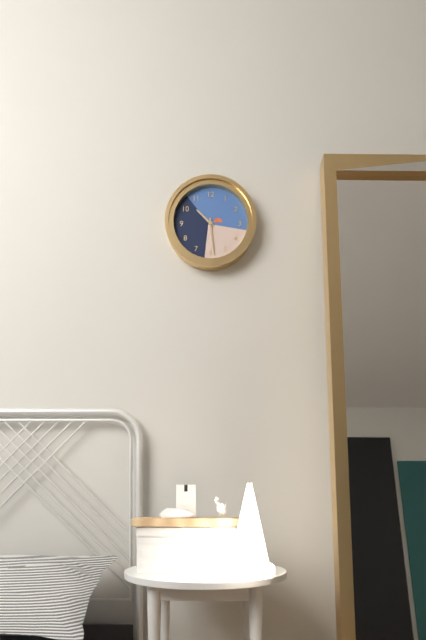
10:29
